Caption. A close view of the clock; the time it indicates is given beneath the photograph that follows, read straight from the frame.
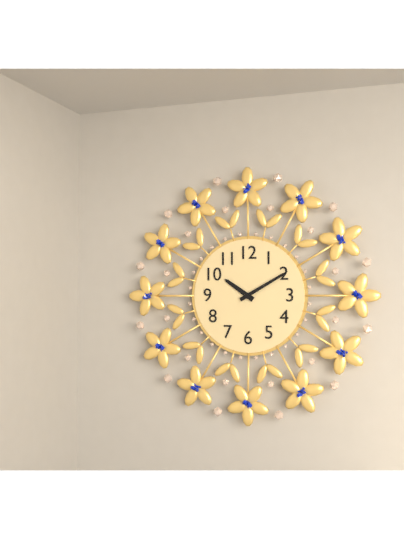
10:10
